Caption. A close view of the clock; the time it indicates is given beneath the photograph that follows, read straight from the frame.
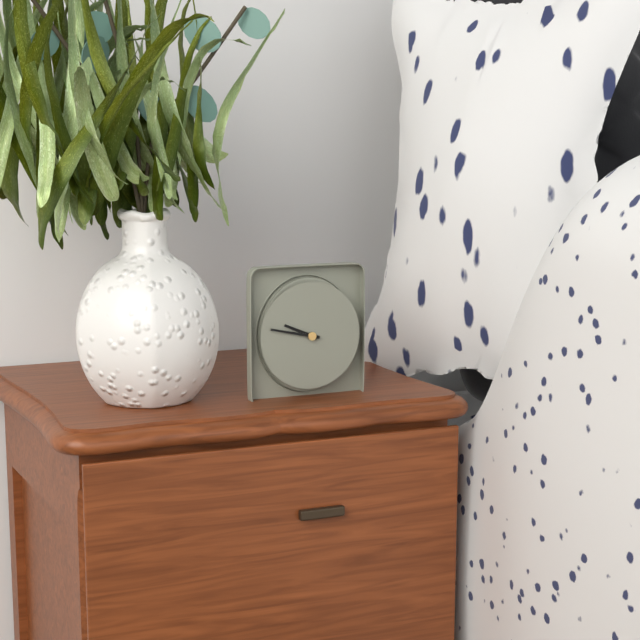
9:47
